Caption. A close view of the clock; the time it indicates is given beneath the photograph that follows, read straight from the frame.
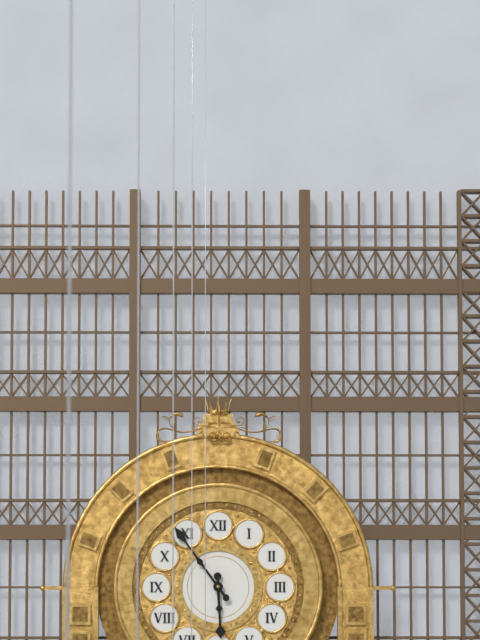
5:54
